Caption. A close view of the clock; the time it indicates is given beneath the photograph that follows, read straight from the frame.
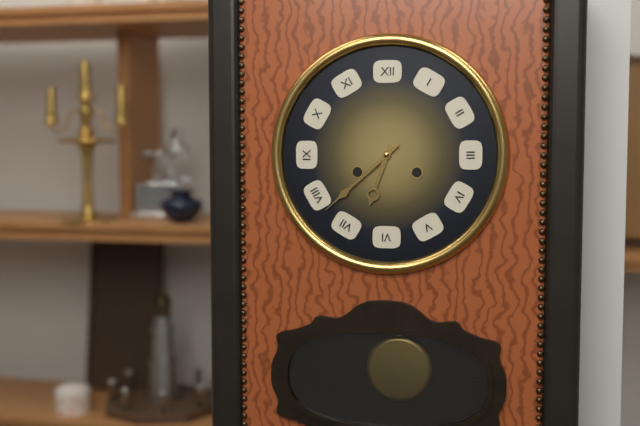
6:38
